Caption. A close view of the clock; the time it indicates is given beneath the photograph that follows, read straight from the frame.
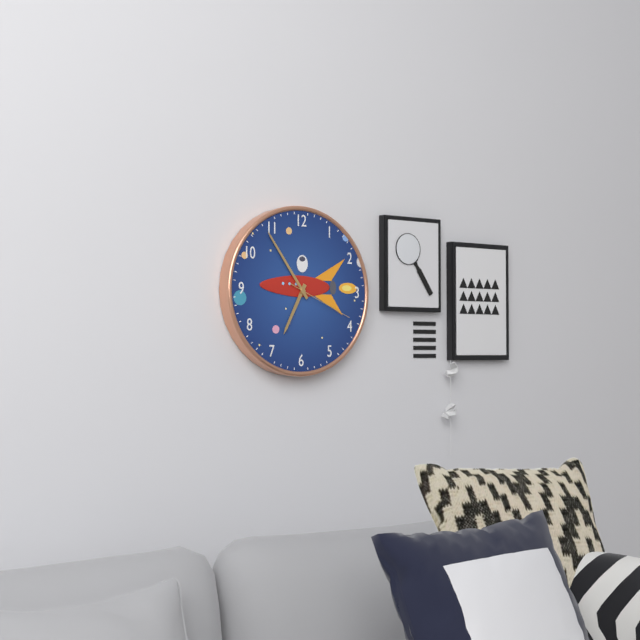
6:54:19
